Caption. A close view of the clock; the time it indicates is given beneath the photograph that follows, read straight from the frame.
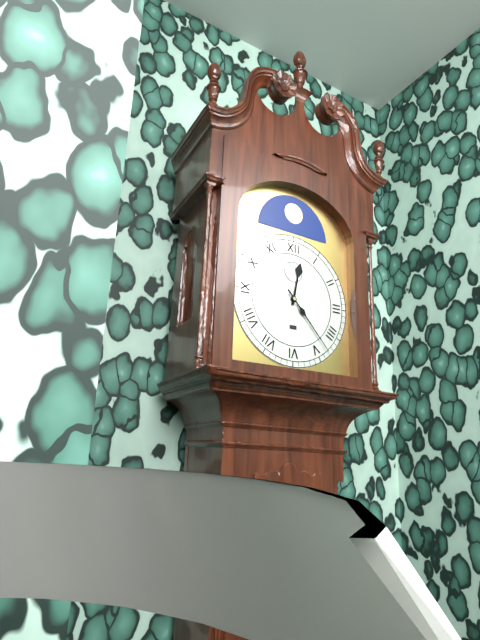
12:23
